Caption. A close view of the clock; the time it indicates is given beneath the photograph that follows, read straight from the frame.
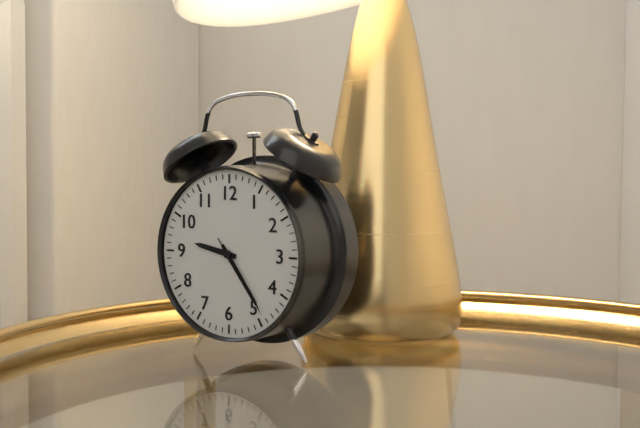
9:24:24
